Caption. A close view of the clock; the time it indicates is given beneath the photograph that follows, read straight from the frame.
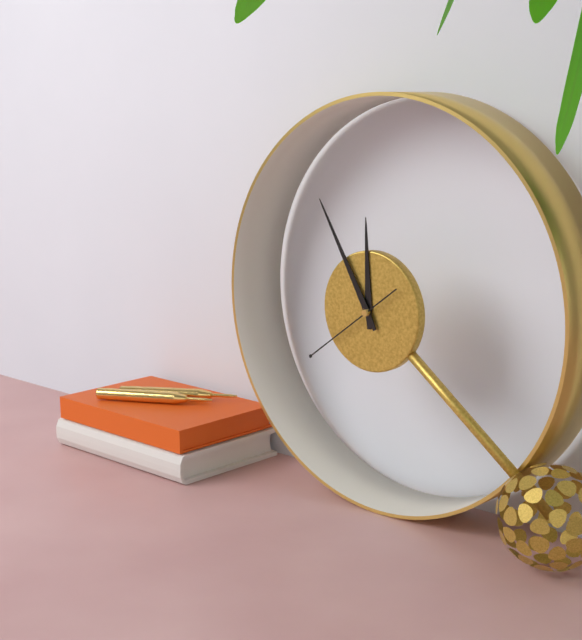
11:55:39
